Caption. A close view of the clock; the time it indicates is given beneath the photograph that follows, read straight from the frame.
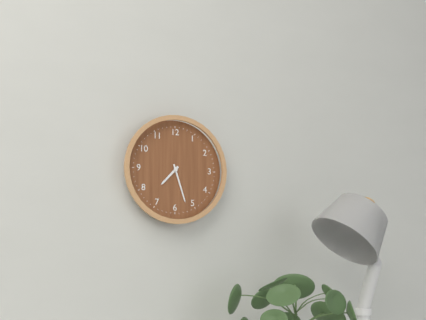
7:27
